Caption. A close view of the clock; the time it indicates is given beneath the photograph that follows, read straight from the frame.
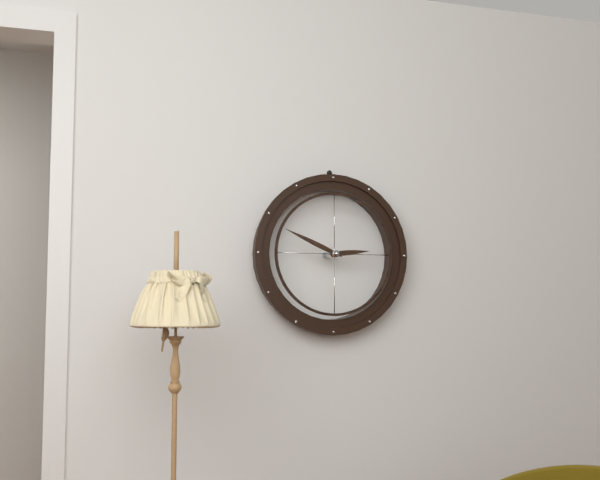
2:49
